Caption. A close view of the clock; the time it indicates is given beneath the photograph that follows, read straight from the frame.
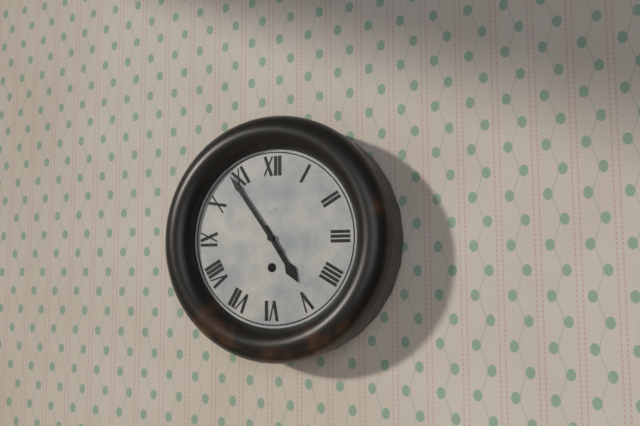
4:54
